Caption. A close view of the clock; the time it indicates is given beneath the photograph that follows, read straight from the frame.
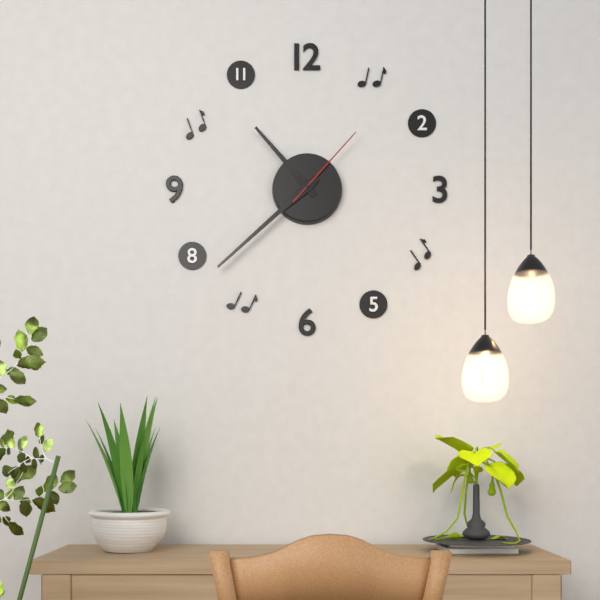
10:38:07
